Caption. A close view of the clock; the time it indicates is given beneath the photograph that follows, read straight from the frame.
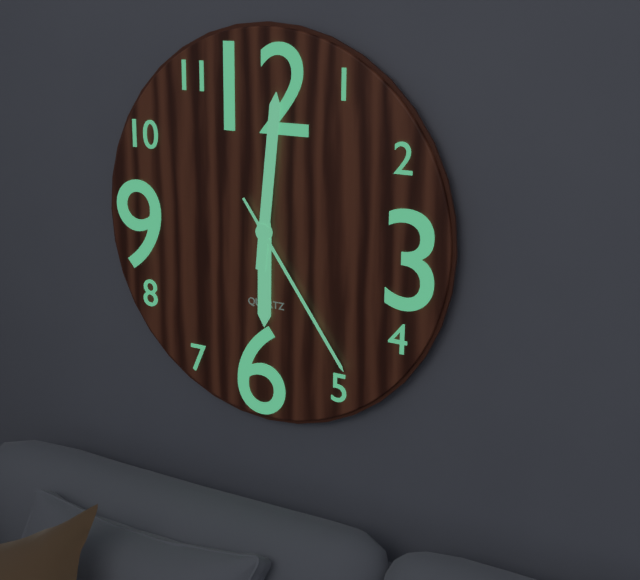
6:01:24
